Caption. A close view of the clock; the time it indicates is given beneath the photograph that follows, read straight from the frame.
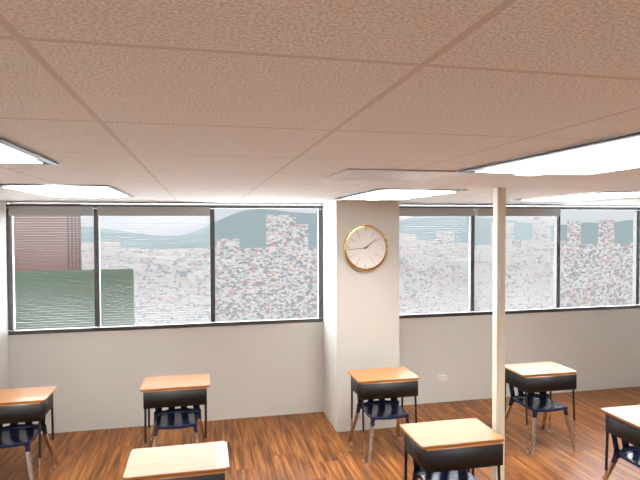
1:44
